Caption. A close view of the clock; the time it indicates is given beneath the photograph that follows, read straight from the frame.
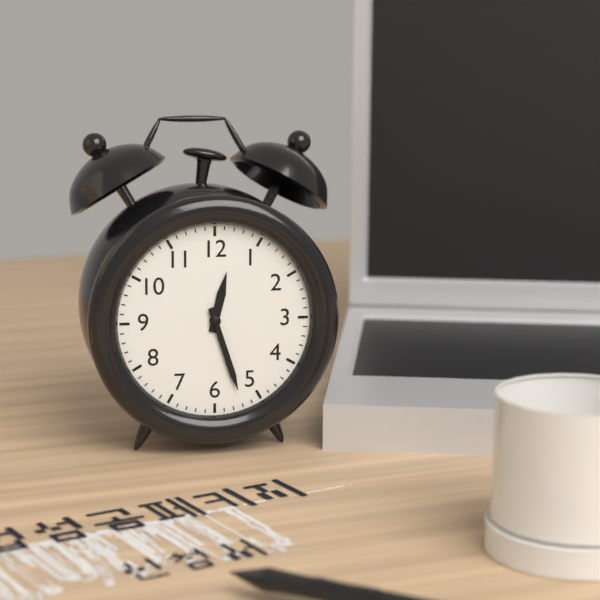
12:27
